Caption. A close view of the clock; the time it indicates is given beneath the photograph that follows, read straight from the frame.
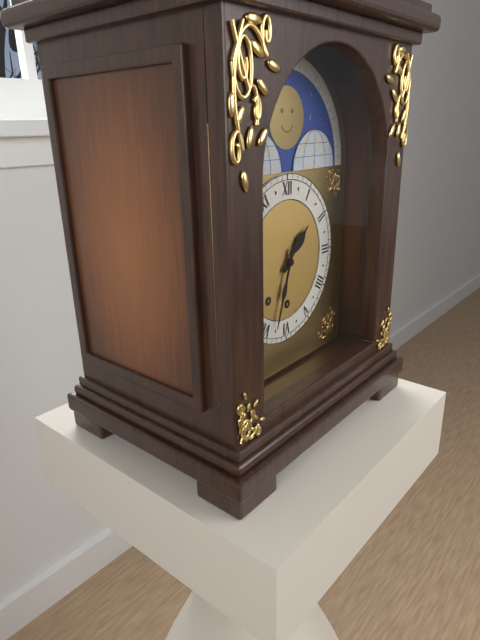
1:33
